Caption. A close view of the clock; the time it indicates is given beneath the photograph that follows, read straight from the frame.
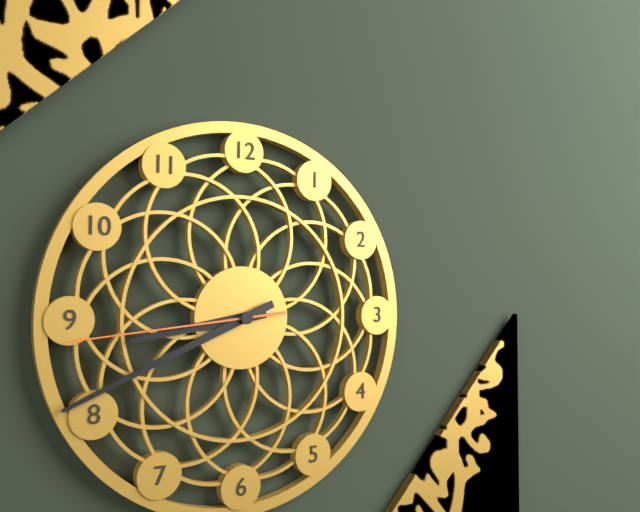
8:41:44
